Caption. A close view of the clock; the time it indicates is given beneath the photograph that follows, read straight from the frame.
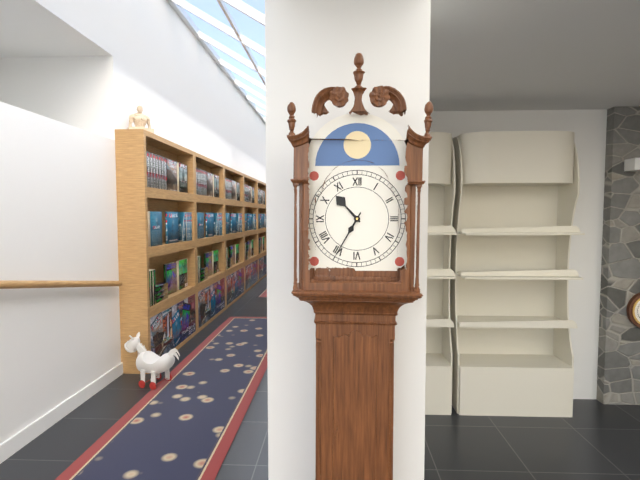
10:35
